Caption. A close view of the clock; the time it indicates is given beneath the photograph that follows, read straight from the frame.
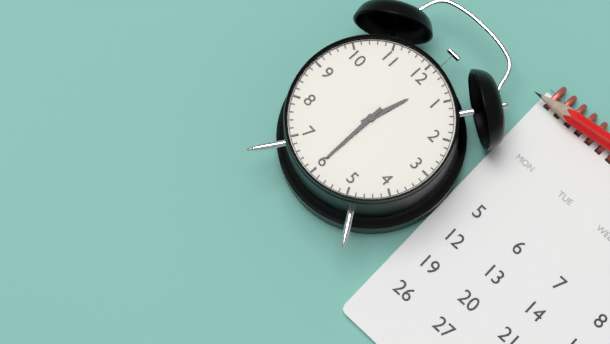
12:30
